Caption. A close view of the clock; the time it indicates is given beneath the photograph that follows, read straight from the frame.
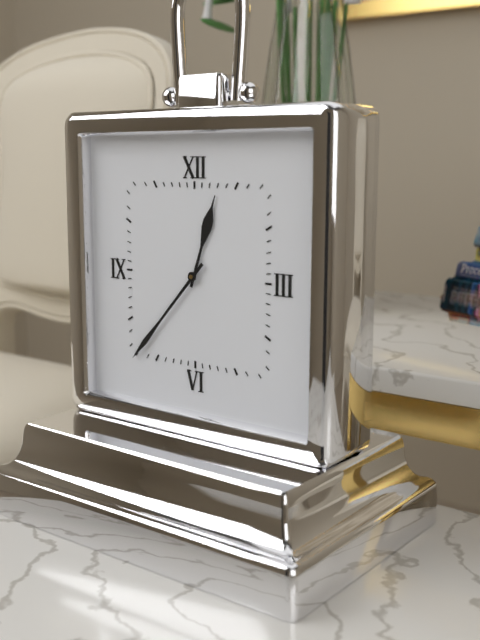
12:37
